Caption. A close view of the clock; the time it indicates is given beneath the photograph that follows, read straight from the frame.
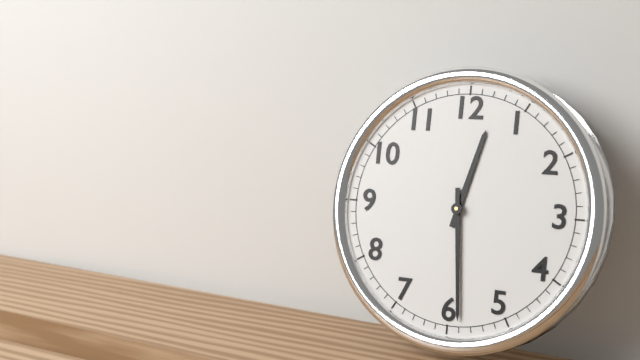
12:29
